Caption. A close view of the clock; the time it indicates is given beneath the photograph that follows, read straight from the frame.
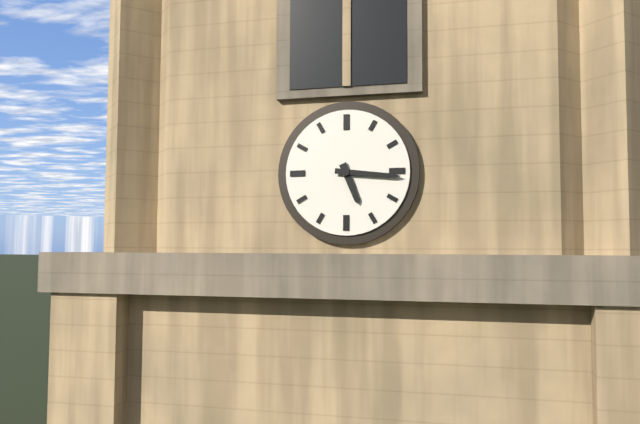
5:16
